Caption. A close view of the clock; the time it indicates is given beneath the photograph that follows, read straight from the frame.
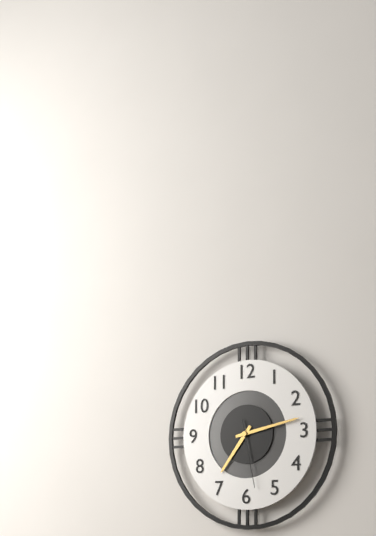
7:13:28
